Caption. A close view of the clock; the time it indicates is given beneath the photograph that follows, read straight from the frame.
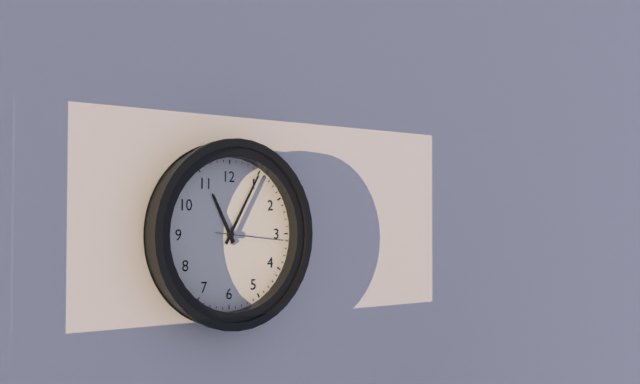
11:05:16
